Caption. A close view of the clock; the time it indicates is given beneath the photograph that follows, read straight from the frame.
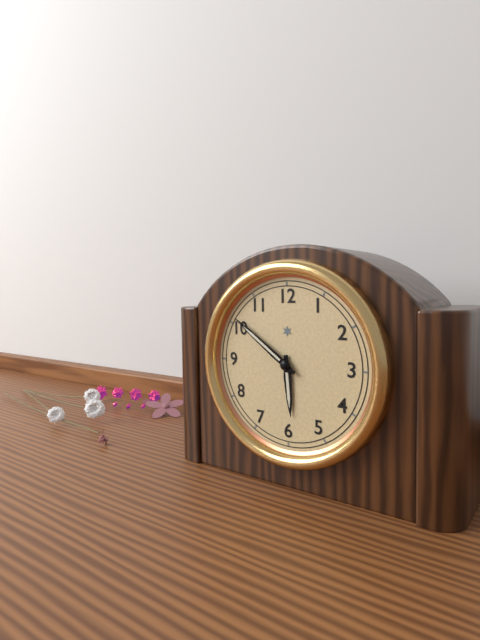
5:51
